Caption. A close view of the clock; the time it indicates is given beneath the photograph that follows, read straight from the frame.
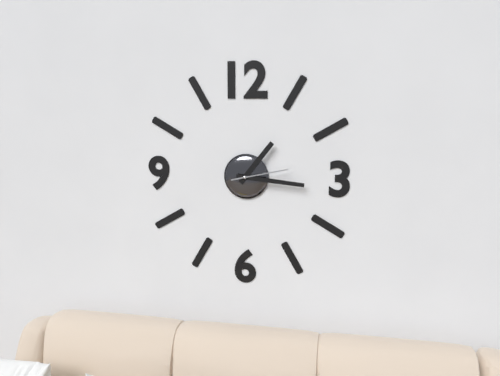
1:16:13
